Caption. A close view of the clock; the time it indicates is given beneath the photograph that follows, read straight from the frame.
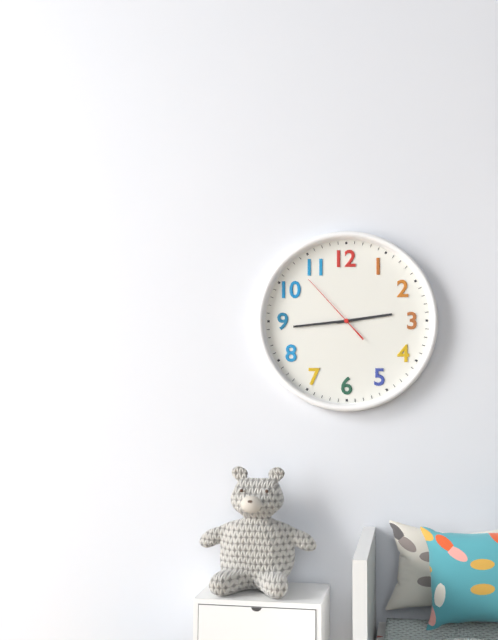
2:44:53
